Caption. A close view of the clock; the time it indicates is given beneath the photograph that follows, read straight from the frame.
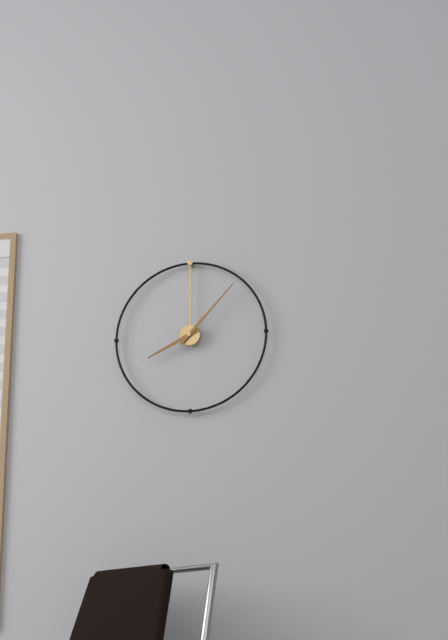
8:07
